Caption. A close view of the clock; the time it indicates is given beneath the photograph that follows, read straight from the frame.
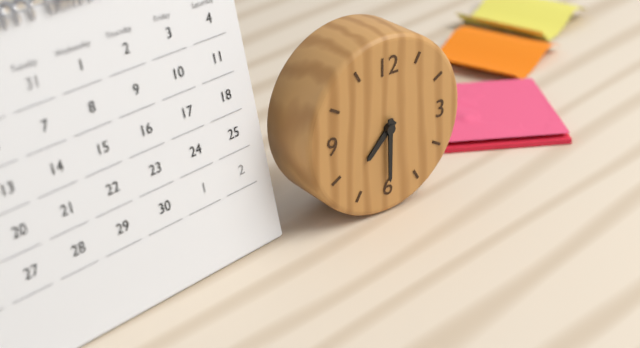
7:30
